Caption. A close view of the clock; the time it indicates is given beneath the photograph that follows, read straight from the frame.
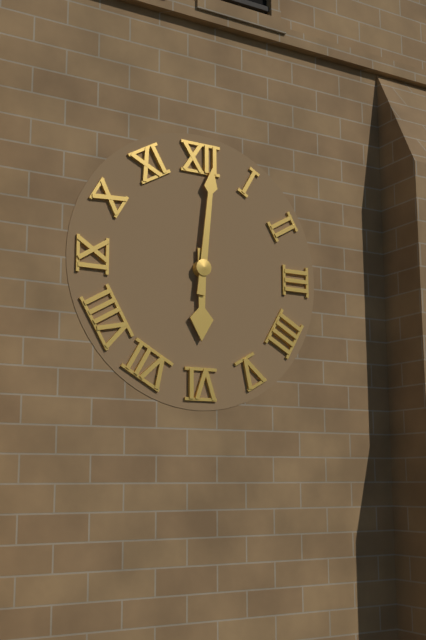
6:01
